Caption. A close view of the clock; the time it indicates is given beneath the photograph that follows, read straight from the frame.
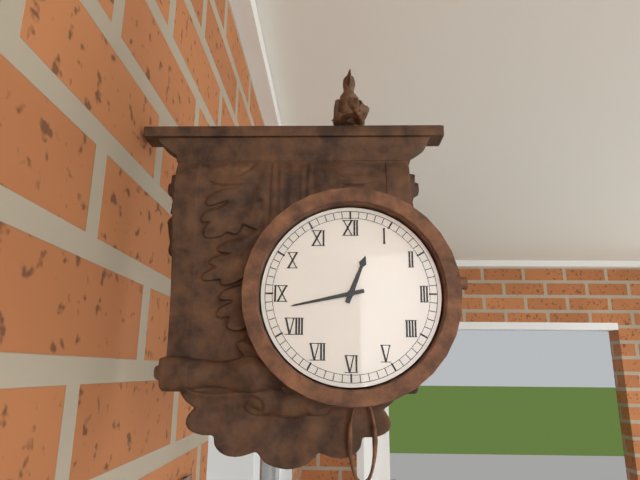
12:43
